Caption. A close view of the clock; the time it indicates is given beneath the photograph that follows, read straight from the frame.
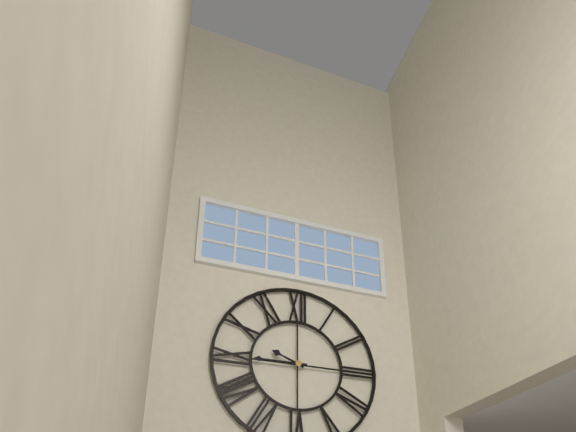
9:45
